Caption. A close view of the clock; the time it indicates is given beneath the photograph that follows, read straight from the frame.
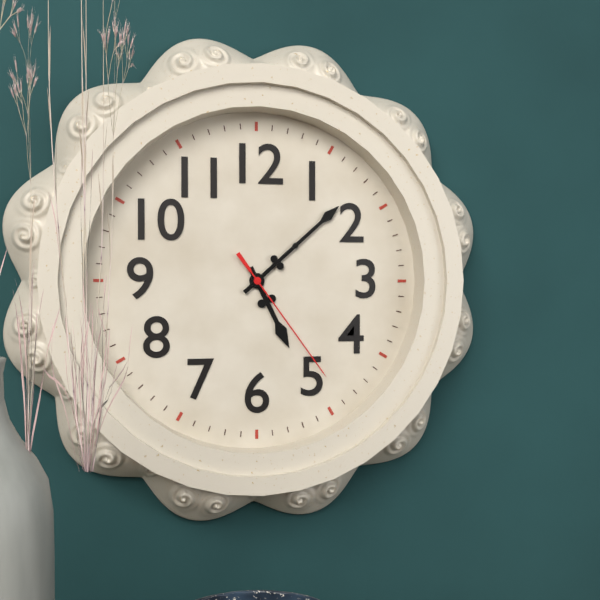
5:08:24
